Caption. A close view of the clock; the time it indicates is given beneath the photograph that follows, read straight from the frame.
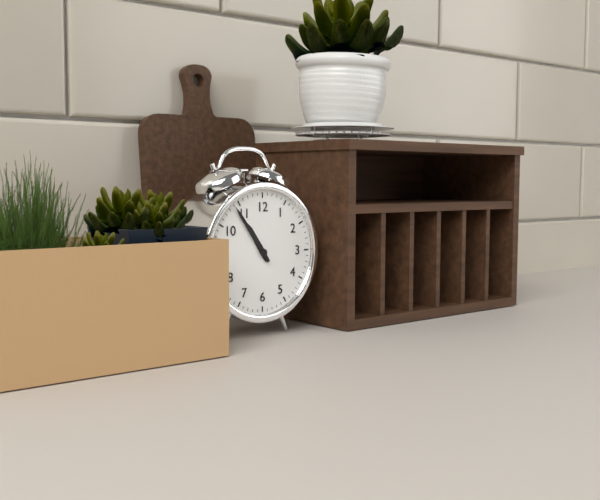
10:54
